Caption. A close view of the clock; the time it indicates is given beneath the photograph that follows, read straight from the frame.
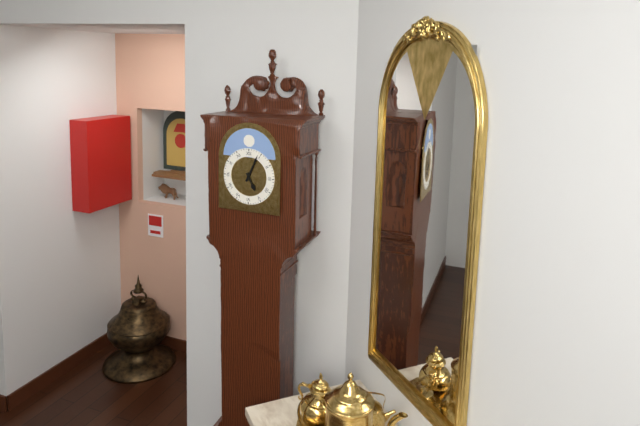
5:04
